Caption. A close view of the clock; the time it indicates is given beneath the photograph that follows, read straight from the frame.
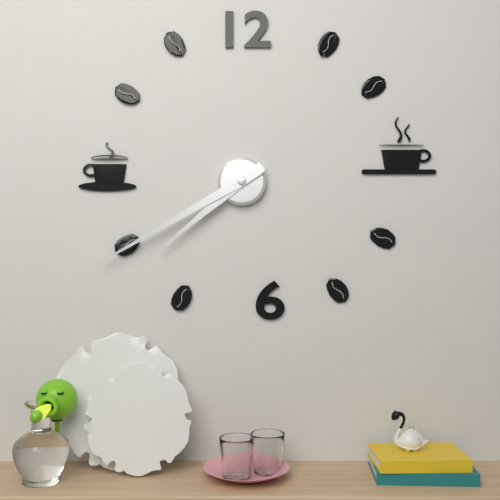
7:40
